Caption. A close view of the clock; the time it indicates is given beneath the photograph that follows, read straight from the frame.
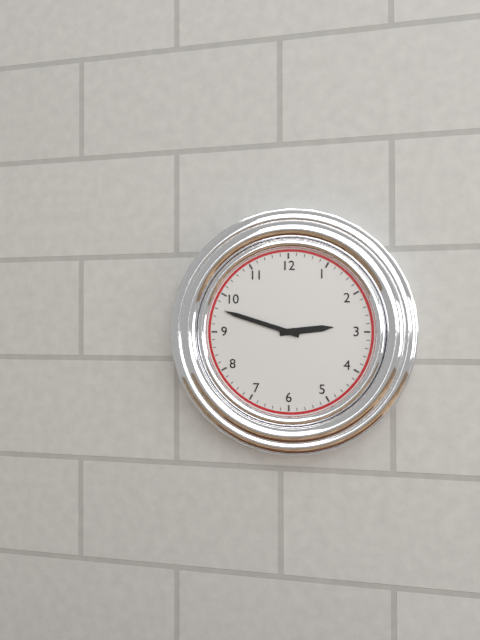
2:48
